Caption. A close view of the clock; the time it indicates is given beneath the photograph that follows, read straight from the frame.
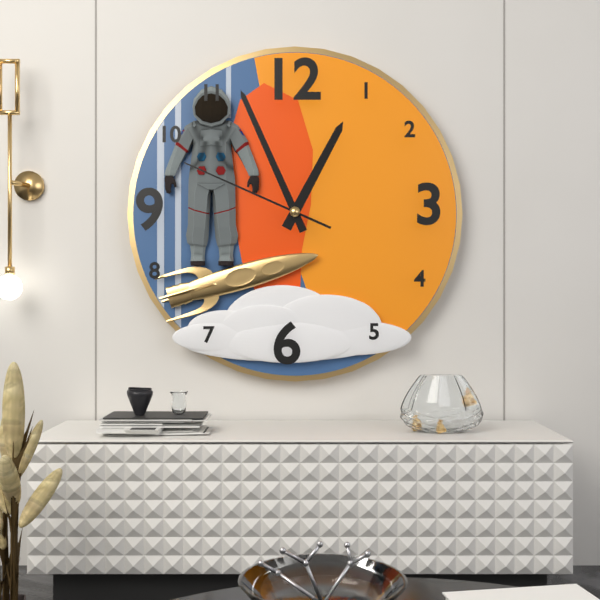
12:56:49
